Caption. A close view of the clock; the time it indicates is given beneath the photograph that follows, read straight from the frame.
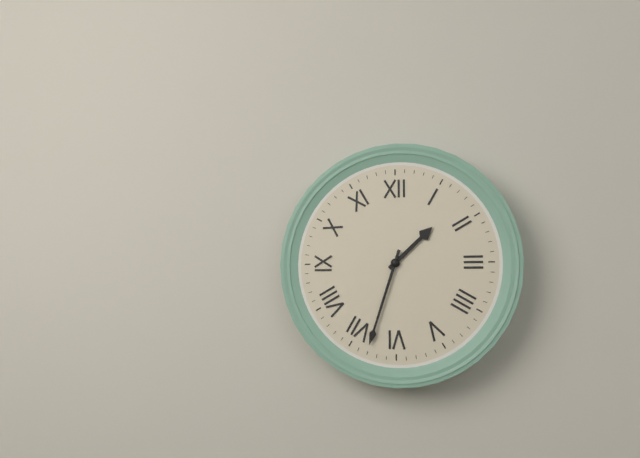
1:33
